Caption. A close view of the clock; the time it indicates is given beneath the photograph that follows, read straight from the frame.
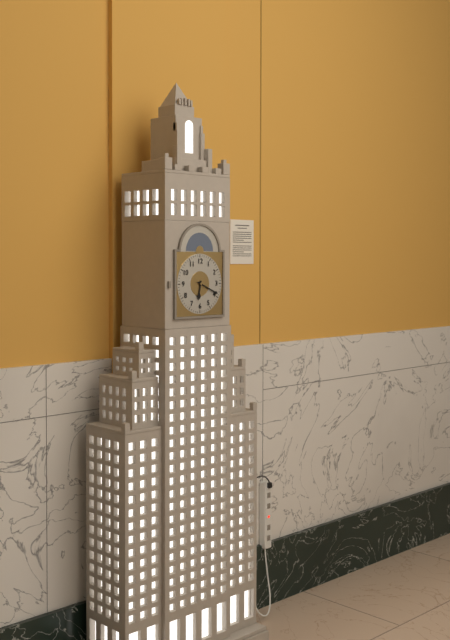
6:19
